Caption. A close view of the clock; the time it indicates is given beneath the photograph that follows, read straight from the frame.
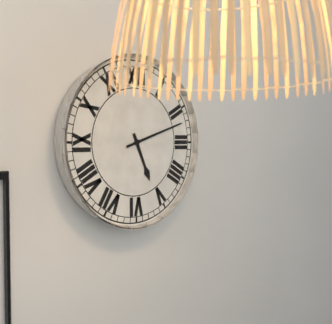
5:12
